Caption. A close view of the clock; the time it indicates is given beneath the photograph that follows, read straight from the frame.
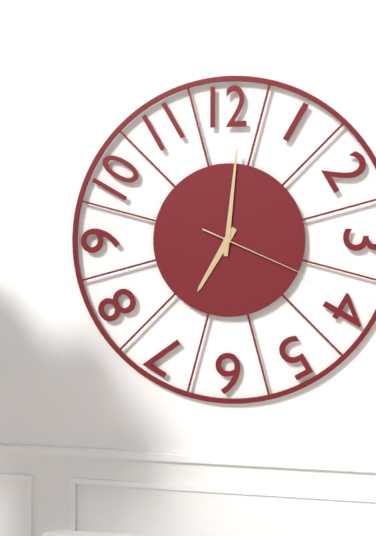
7:01:19
